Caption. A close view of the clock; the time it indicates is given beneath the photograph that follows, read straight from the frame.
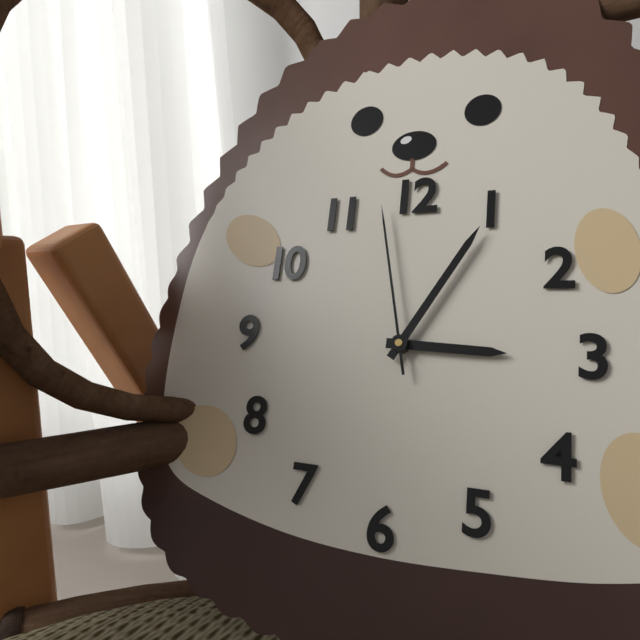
3:05:58
